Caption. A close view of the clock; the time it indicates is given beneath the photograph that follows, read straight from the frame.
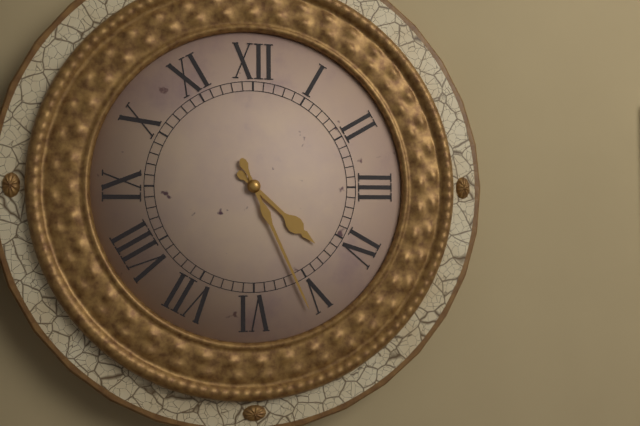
4:26
